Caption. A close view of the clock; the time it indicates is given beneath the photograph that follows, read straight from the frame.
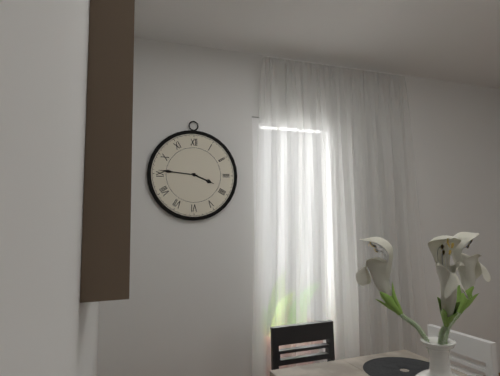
3:46
